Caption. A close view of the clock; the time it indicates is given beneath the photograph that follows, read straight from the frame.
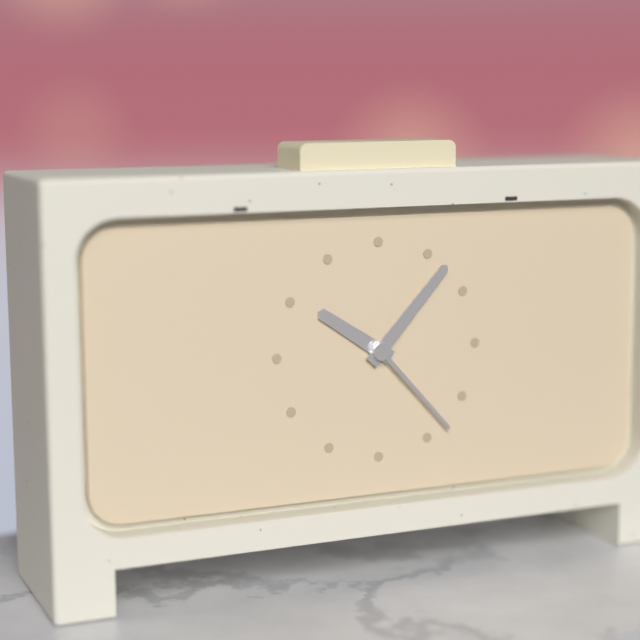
10:07:23
